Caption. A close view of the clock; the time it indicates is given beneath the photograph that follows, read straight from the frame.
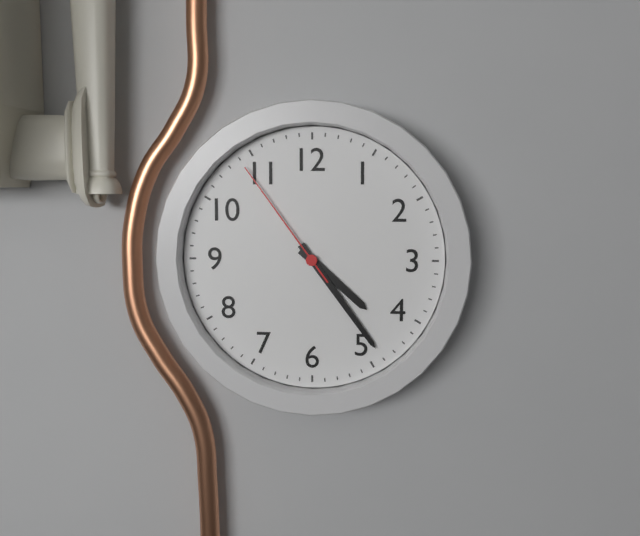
4:24:54
